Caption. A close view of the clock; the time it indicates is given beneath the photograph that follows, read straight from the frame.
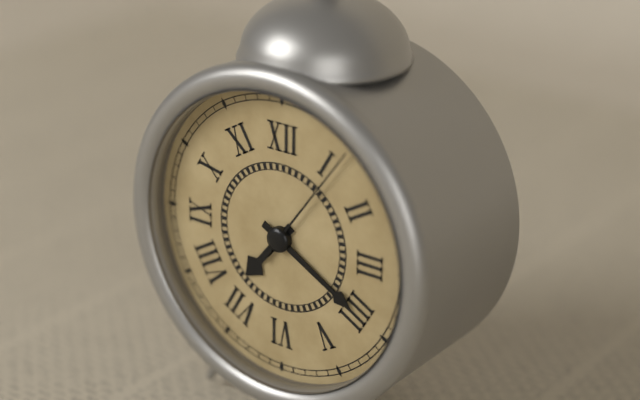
7:20:06
